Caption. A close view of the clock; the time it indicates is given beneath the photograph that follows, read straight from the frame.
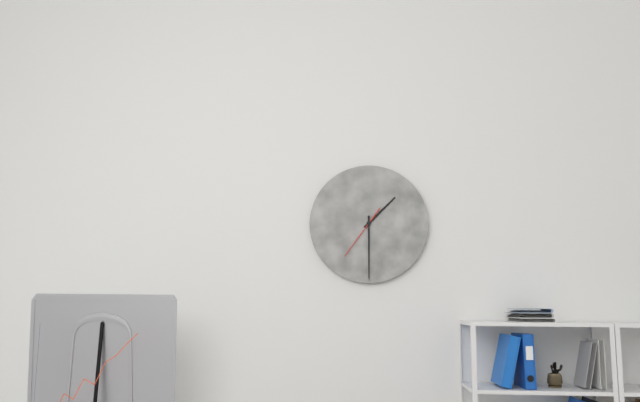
1:30:36
